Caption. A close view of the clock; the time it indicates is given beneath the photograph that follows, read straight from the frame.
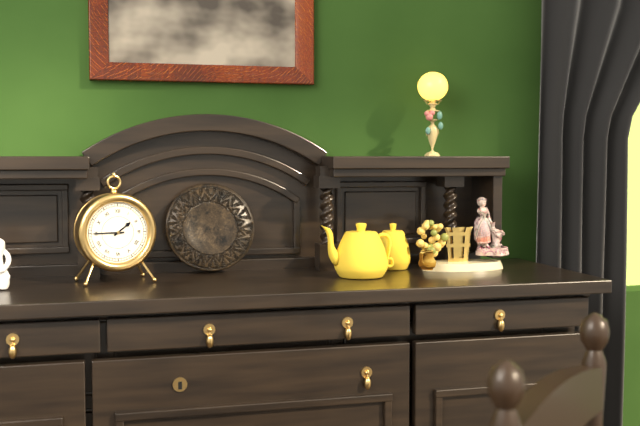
1:45
